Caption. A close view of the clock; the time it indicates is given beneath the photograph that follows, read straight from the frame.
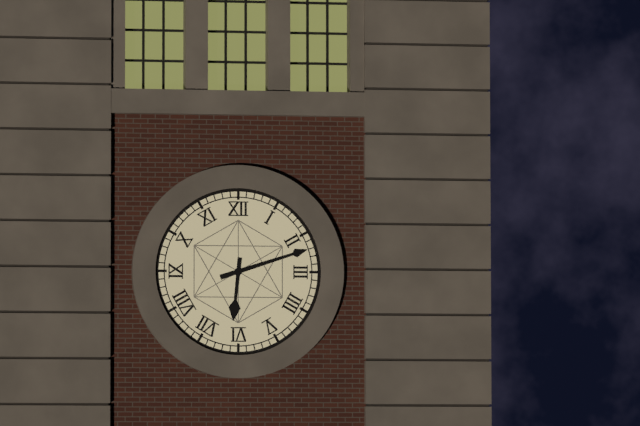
6:12
